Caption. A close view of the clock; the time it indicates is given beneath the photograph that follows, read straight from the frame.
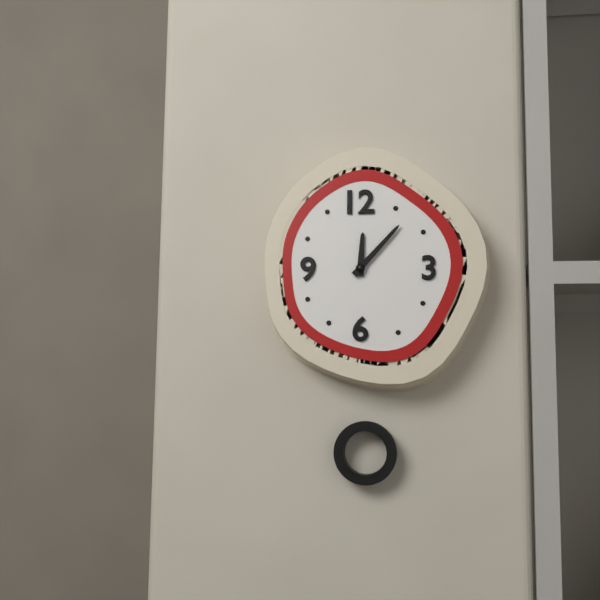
12:07
